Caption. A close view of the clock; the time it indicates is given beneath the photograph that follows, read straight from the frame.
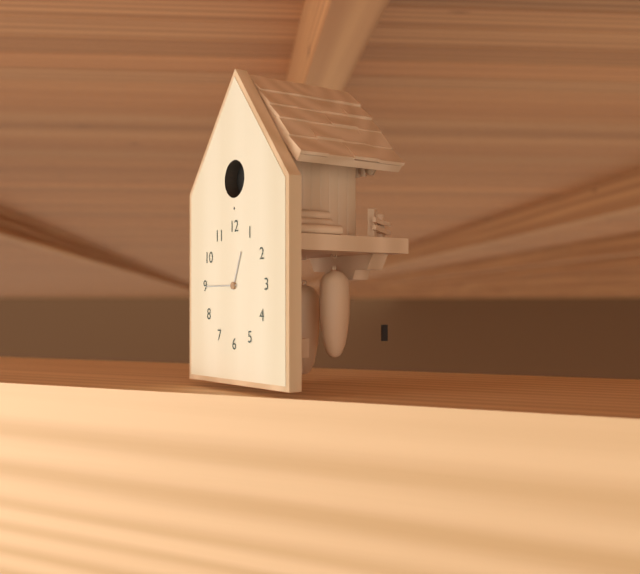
12:45
